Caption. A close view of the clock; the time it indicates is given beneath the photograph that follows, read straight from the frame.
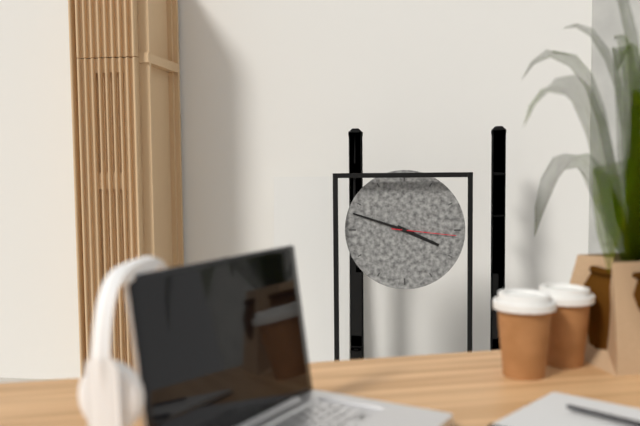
3:48:16
